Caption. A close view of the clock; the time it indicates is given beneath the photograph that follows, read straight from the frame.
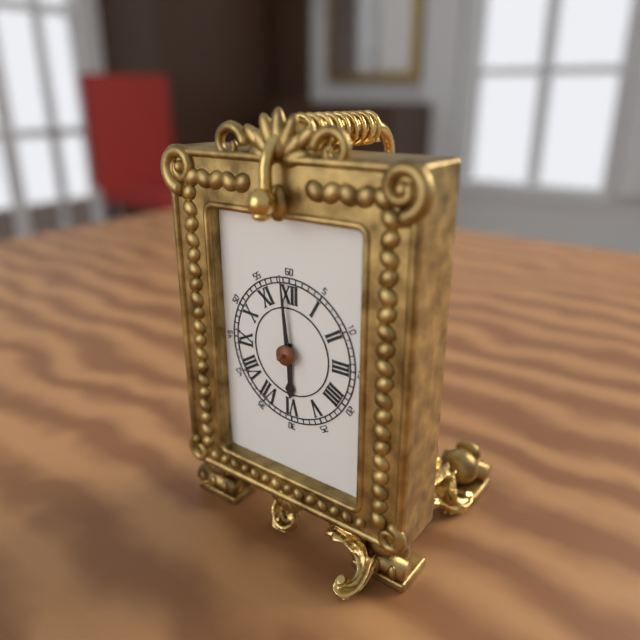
5:59
